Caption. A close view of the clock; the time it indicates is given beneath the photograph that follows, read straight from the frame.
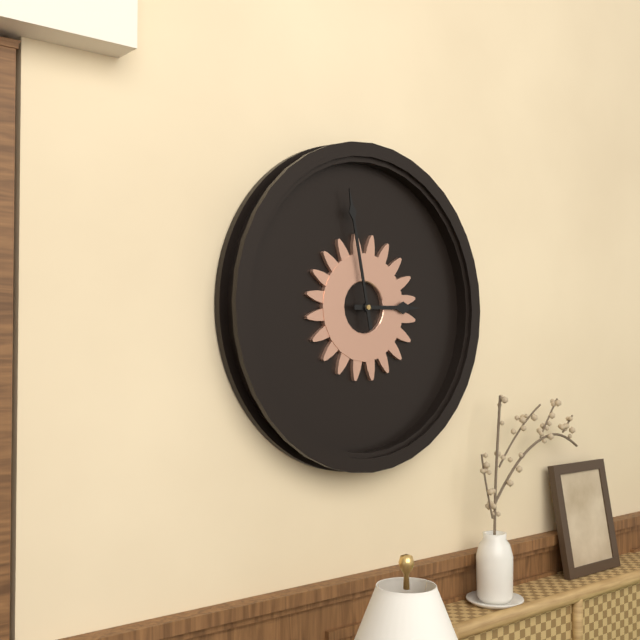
2:58
